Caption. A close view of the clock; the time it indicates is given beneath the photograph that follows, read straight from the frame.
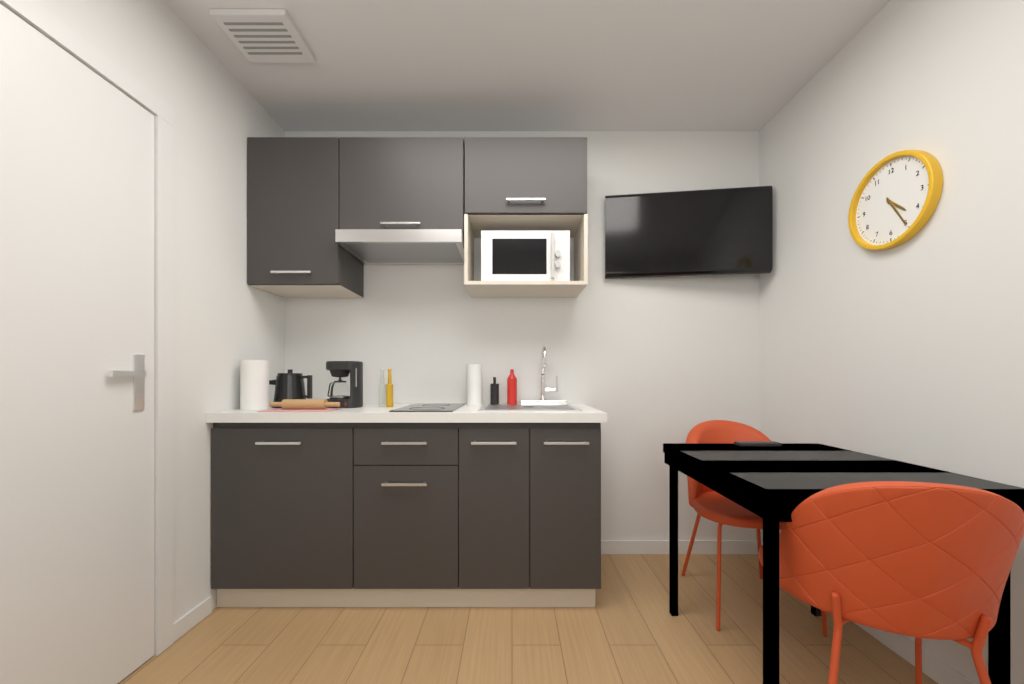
4:25
